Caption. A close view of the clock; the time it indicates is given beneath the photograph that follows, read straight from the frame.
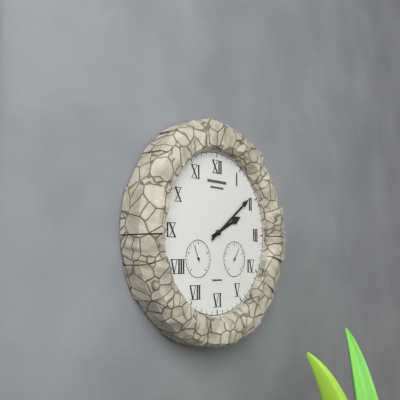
2:09
